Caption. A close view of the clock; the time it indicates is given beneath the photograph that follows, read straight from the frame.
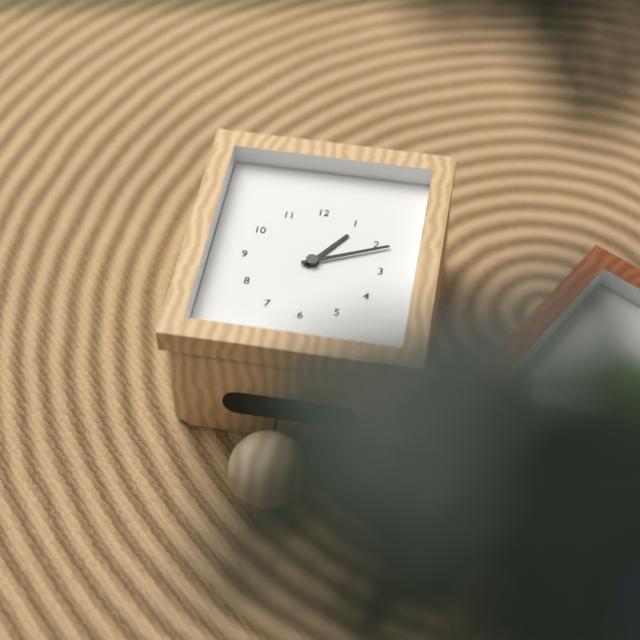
1:11
